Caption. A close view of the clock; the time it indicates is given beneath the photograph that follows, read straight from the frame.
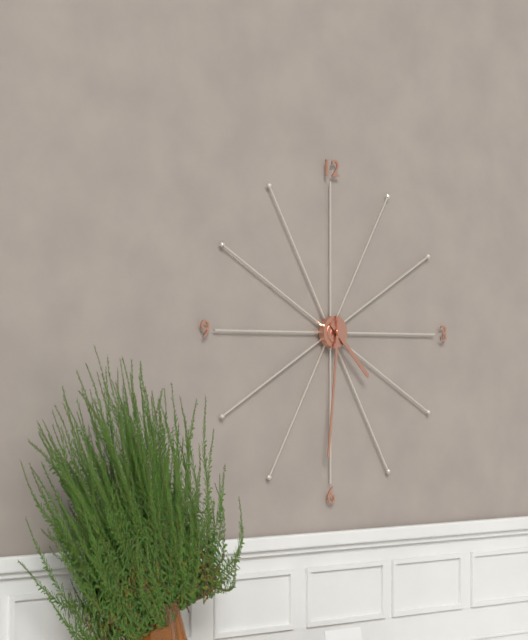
4:31
